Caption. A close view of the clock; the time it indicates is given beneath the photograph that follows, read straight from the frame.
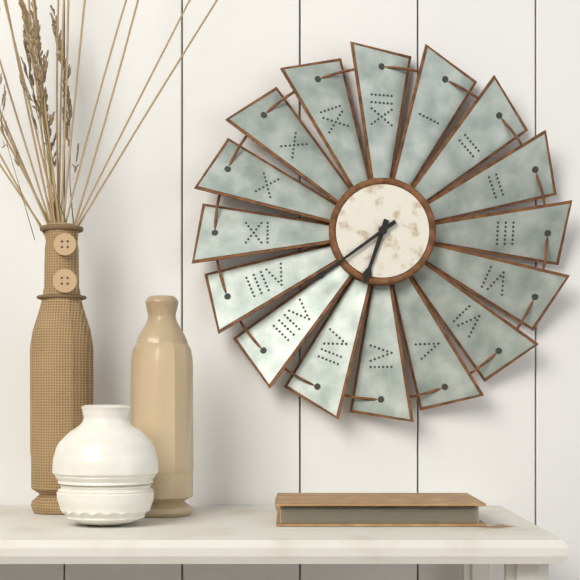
6:39
